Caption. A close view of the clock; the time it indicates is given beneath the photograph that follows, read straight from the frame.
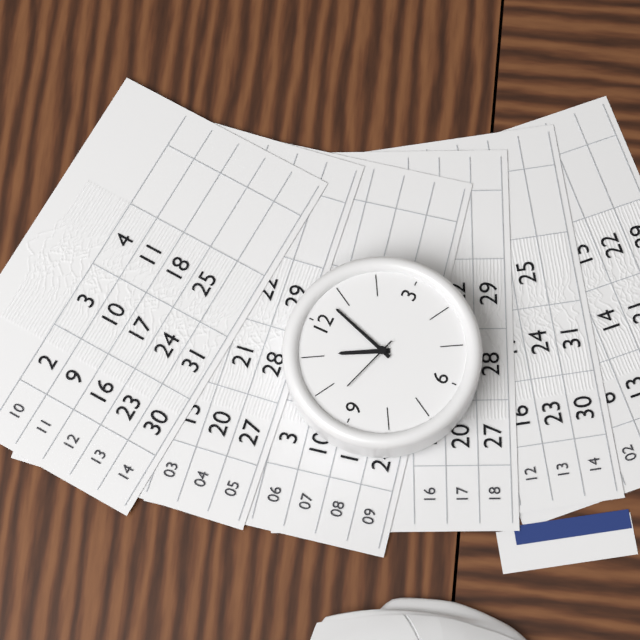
11:03:48
